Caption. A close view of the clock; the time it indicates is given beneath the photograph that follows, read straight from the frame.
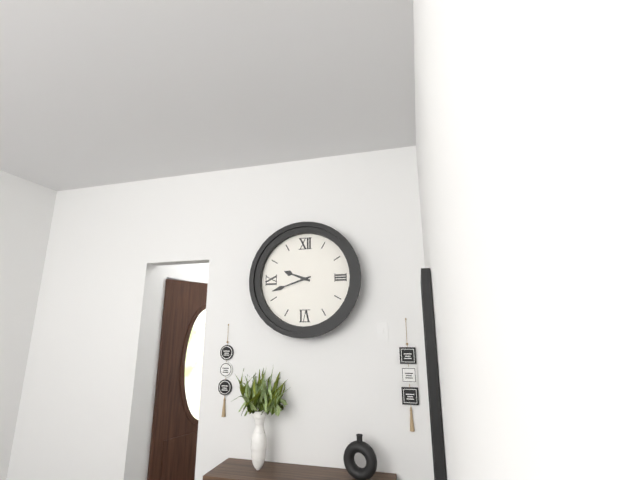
9:42
